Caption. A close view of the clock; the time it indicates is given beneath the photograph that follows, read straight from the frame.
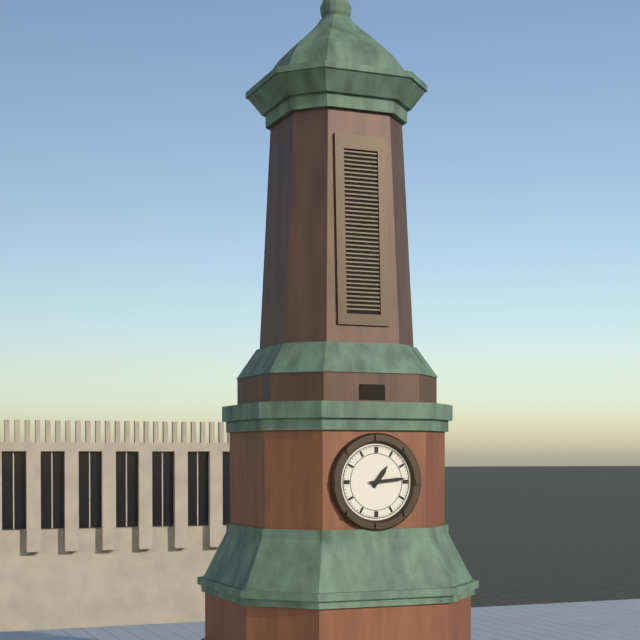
1:14
